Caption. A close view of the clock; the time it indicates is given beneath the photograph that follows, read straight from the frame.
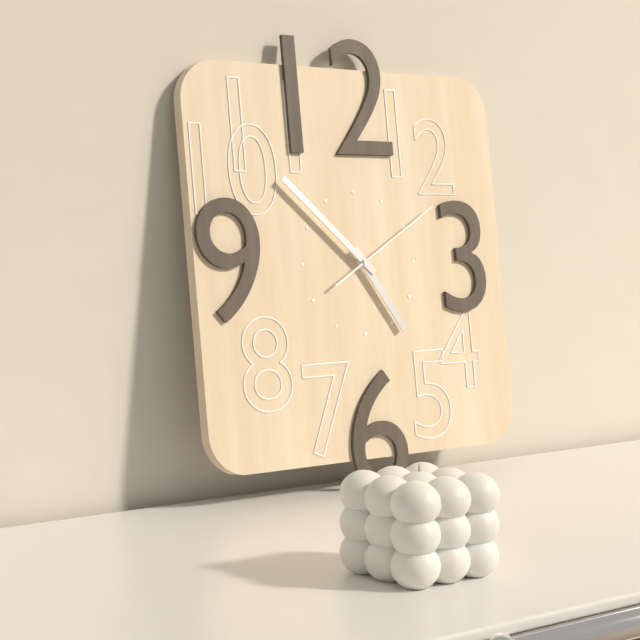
4:52:10
